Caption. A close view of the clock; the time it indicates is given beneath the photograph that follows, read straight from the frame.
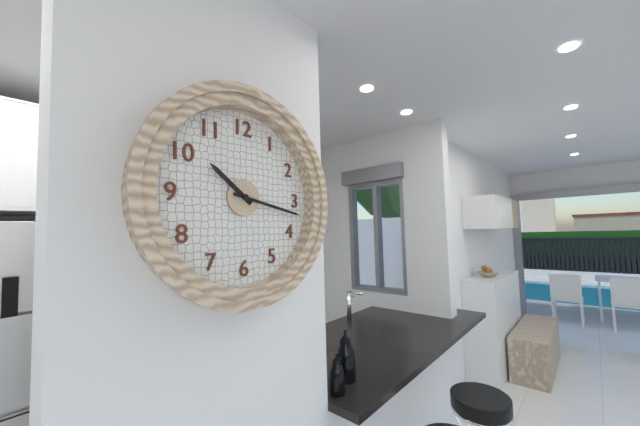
10:17
